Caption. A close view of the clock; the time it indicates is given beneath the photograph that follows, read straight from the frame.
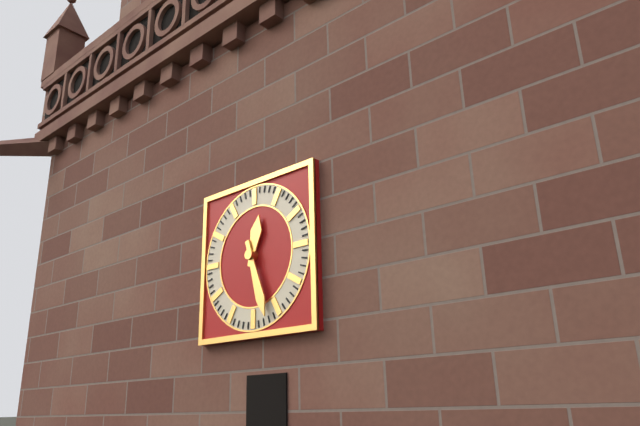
12:27
